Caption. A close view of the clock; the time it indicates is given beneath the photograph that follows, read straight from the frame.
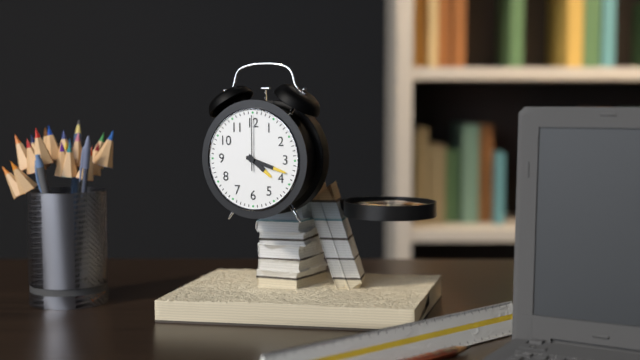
4:18:00
